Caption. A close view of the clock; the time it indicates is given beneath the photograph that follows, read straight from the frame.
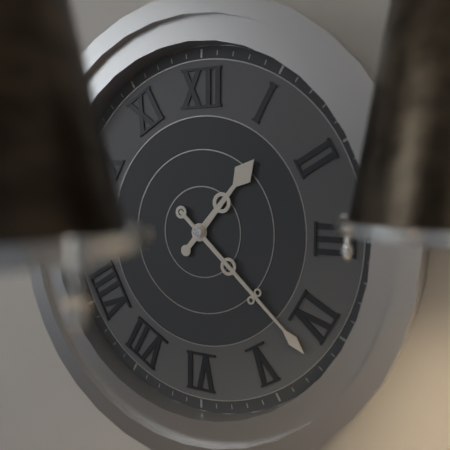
1:22
